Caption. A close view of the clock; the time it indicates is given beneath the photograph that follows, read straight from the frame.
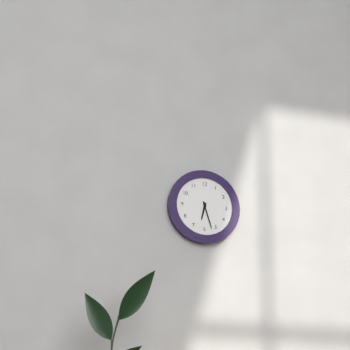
6:27
